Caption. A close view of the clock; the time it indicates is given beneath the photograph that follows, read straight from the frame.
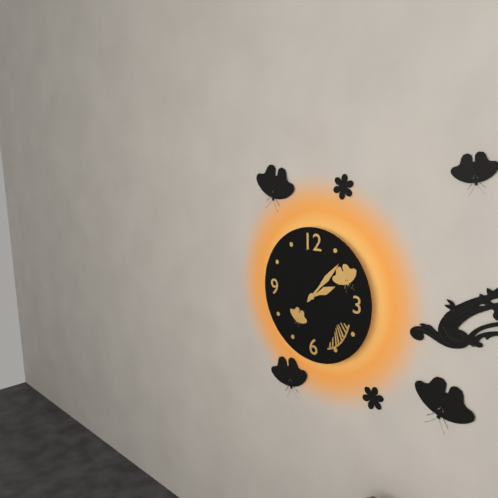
2:07
